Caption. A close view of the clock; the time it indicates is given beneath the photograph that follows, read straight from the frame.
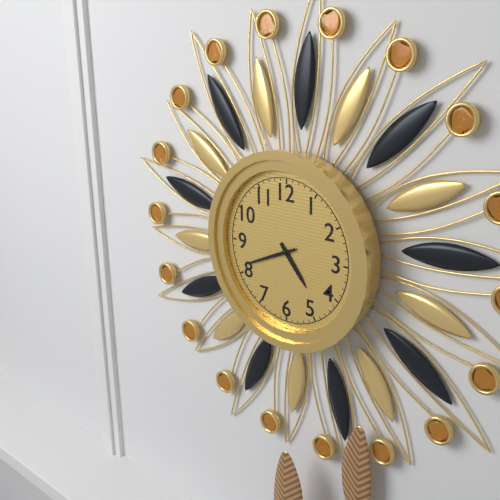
4:41
